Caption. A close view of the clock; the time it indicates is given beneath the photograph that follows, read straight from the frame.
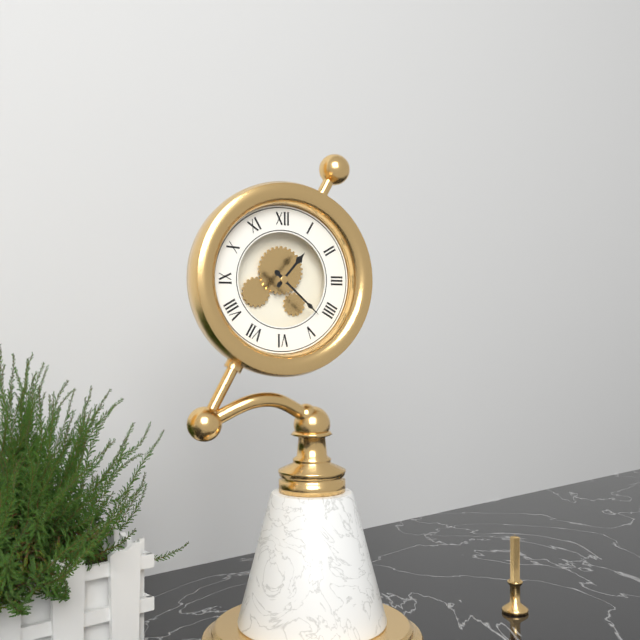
1:22
